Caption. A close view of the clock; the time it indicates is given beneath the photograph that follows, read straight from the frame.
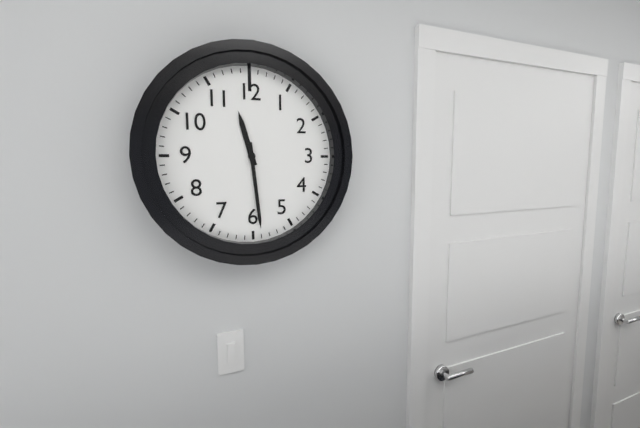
11:29
